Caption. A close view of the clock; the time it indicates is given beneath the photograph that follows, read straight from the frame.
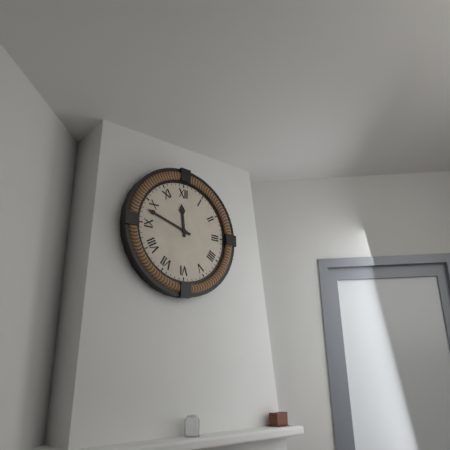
11:48
